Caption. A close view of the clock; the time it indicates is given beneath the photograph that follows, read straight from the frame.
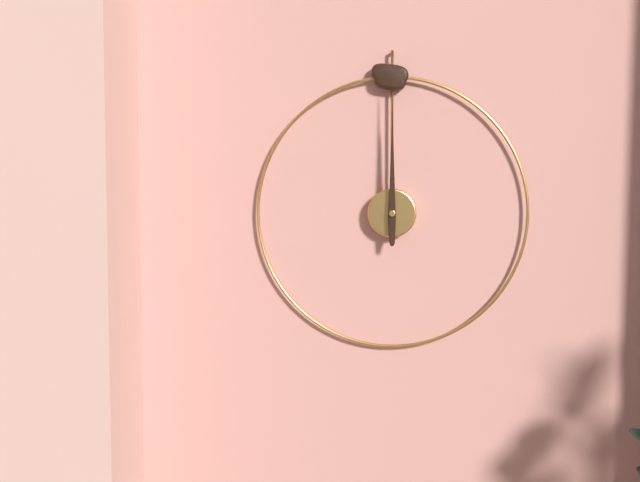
12:00
